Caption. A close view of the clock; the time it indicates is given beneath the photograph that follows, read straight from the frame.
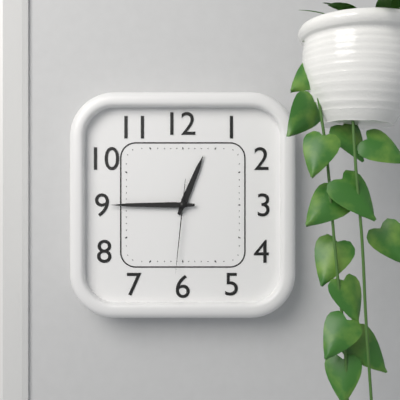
12:45:31
